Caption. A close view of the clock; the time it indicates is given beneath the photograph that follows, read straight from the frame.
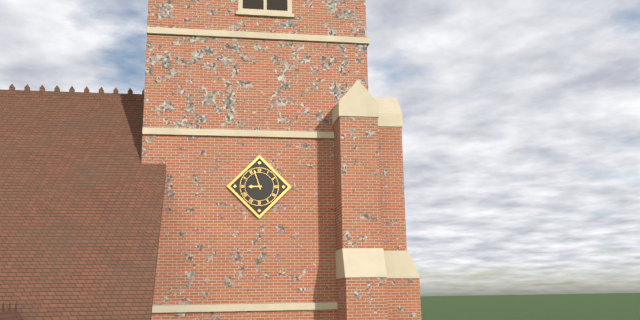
8:57
